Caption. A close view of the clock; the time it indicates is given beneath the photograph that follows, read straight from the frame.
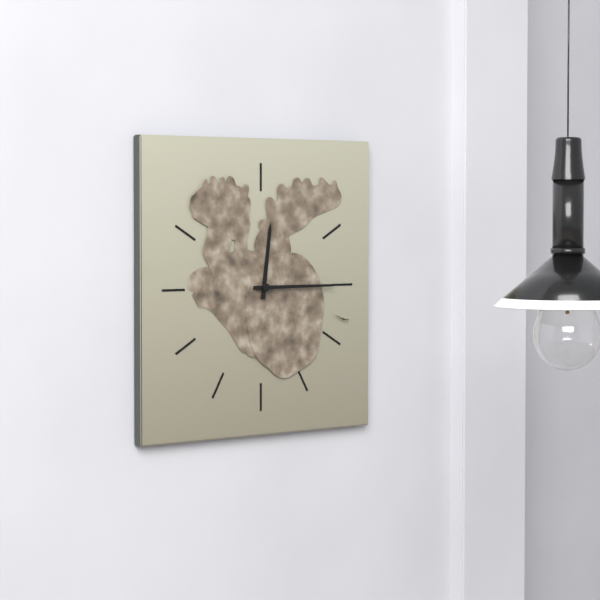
12:15
